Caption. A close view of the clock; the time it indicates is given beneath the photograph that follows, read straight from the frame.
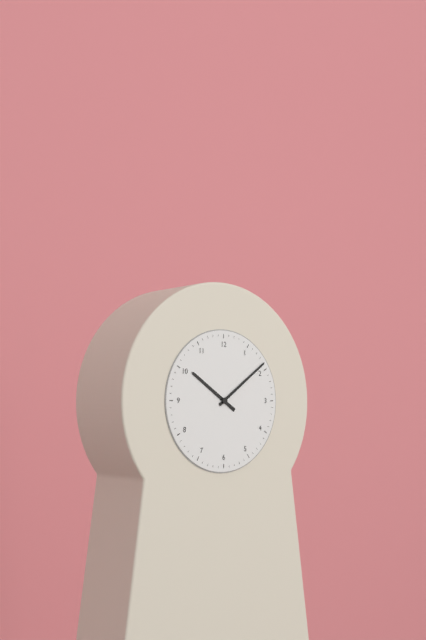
10:09
